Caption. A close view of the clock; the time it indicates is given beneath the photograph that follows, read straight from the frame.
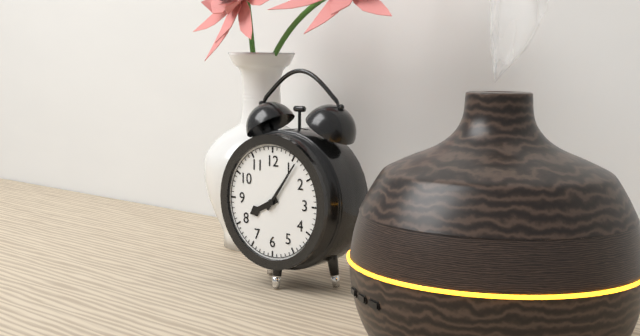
8:06
